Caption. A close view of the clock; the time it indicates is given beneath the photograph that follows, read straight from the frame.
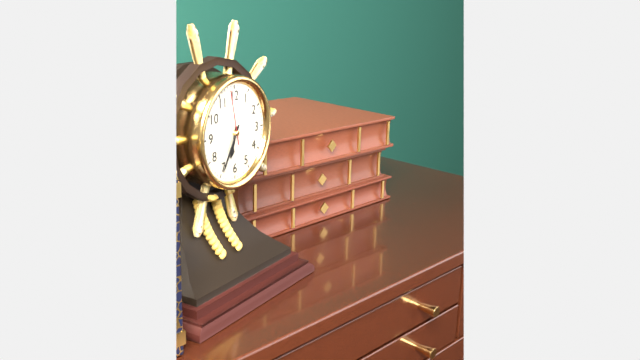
6:35:58
